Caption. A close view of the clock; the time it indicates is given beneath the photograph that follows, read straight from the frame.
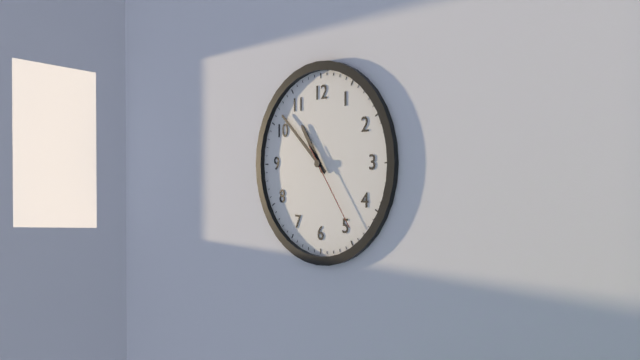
10:52:24
